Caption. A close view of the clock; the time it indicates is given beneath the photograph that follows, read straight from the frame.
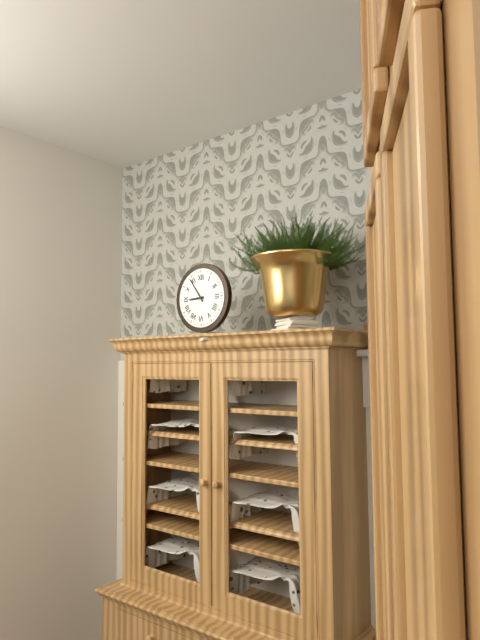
8:54
